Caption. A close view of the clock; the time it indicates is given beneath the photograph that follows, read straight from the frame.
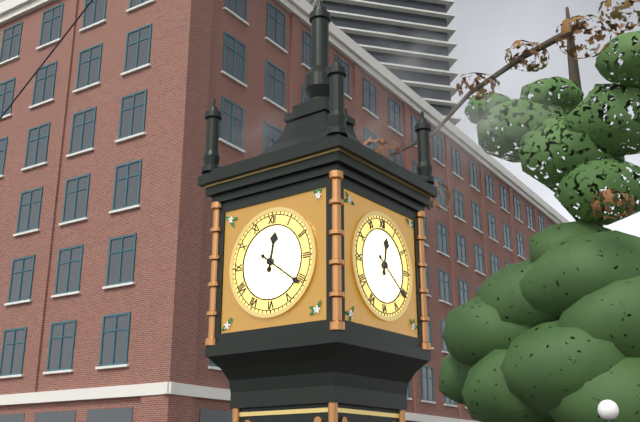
12:21
